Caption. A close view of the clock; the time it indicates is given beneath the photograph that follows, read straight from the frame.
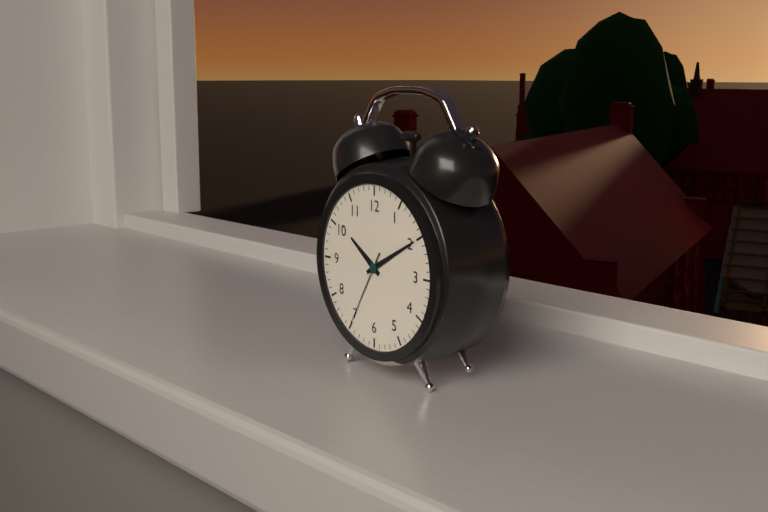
10:10:35
